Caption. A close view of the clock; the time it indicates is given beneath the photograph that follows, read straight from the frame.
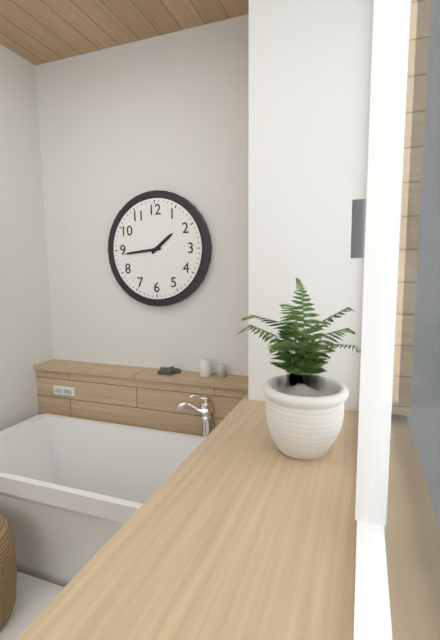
1:44
